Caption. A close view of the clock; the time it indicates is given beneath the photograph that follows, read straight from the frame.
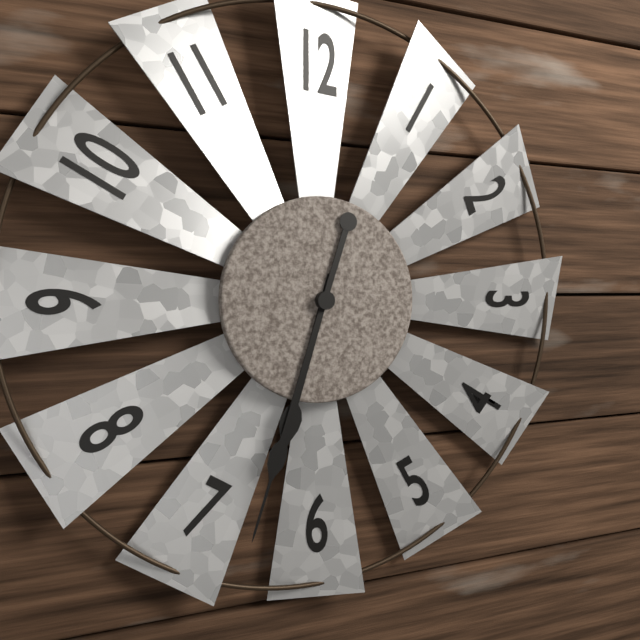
6:33
